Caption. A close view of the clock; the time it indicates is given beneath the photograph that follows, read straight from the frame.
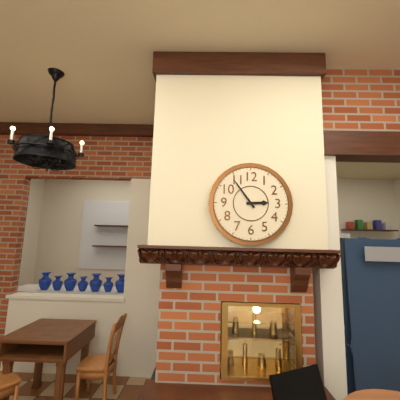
2:54
